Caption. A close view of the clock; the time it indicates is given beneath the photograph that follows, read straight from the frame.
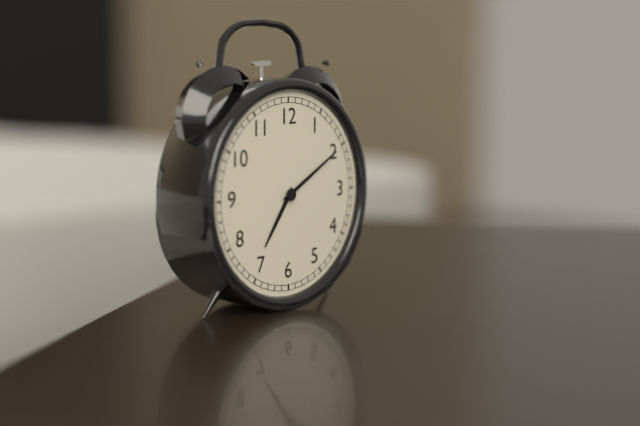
7:10
